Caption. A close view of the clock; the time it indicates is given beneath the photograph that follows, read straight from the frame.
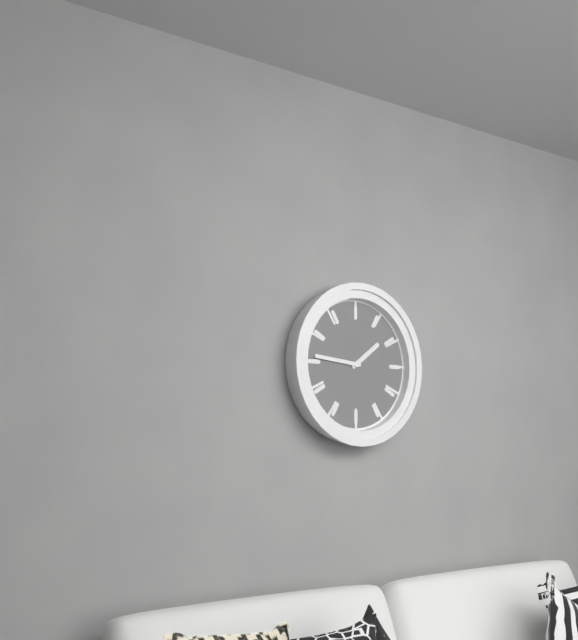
1:46
